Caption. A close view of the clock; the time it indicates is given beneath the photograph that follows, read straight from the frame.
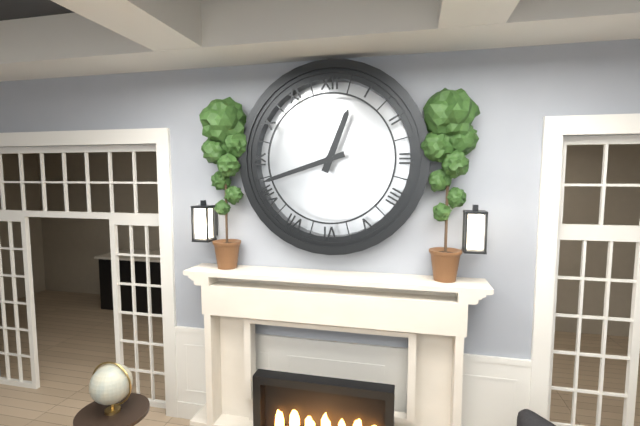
12:42
